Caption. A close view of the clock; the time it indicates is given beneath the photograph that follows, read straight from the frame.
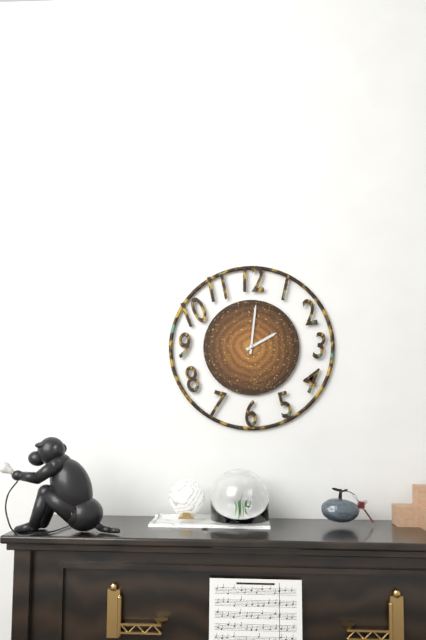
2:01
